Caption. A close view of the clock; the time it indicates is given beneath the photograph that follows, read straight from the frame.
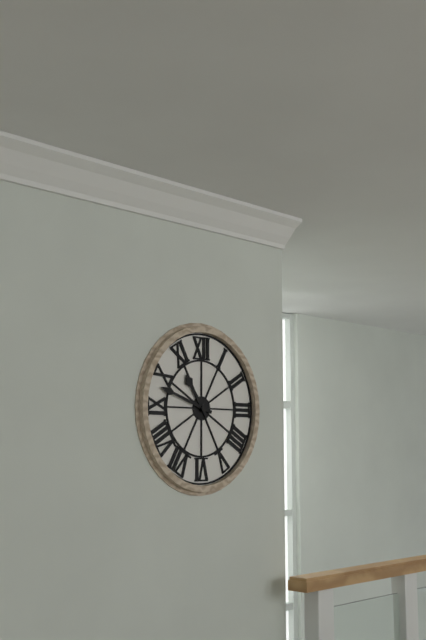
10:48
